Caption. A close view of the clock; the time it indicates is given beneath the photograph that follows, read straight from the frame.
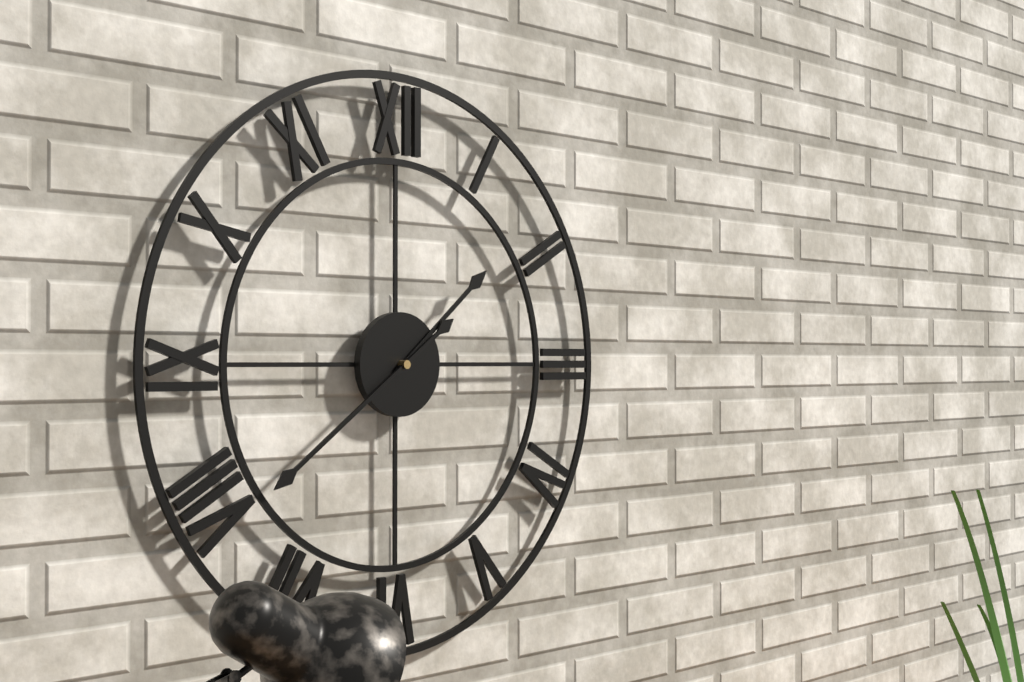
1:39
